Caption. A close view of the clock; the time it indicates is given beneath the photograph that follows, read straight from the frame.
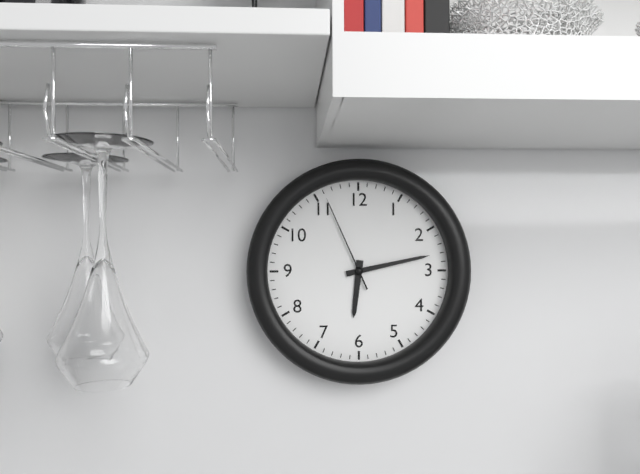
6:13:56
